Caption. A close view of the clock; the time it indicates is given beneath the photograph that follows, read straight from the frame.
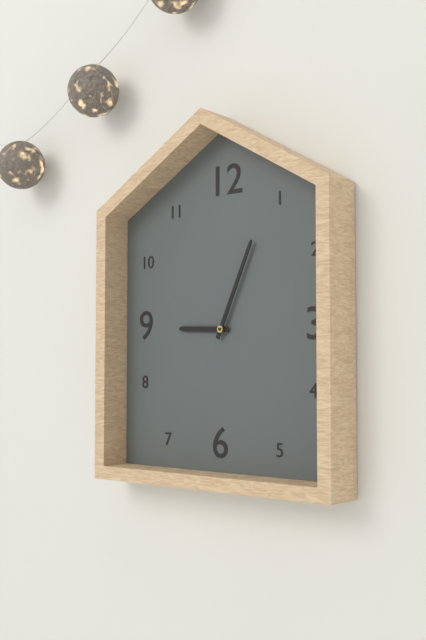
9:04
